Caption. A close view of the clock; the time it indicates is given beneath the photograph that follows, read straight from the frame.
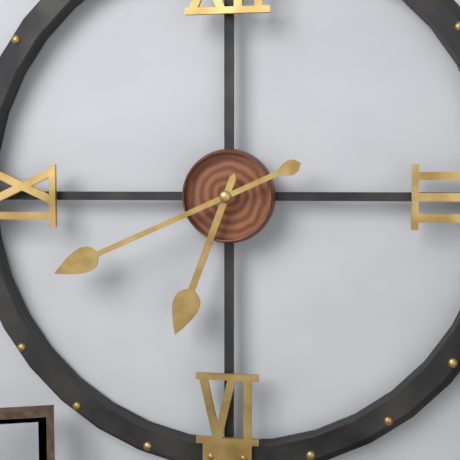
6:41
